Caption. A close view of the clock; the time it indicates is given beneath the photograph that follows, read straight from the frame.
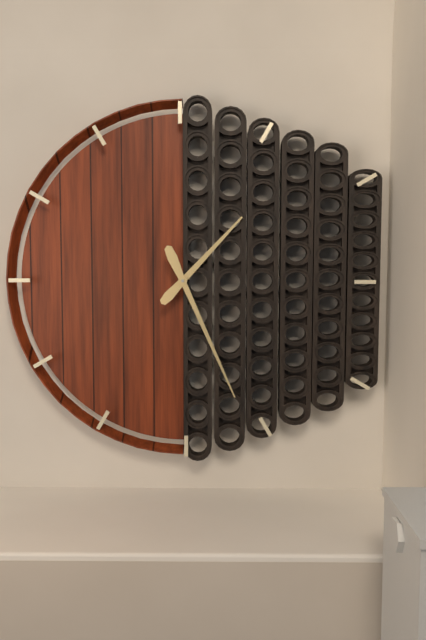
1:26
